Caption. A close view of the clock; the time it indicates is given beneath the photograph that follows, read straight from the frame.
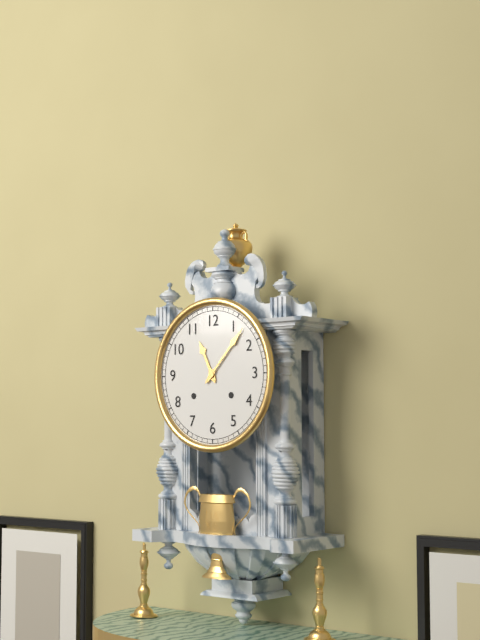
11:07
